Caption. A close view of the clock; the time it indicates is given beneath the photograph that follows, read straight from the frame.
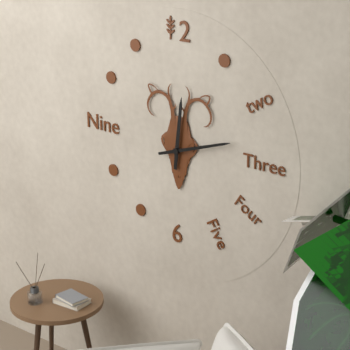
12:12
